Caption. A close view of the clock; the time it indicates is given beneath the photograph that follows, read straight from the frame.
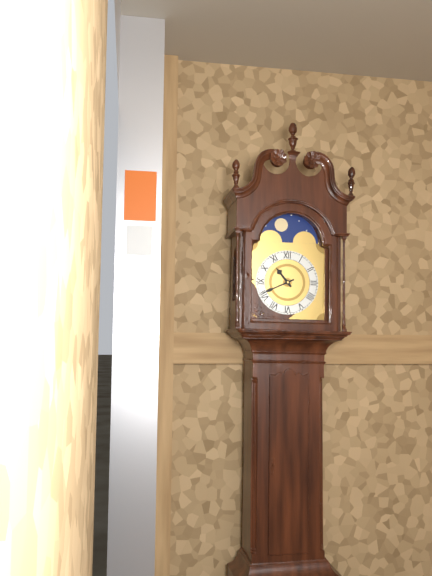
10:41
